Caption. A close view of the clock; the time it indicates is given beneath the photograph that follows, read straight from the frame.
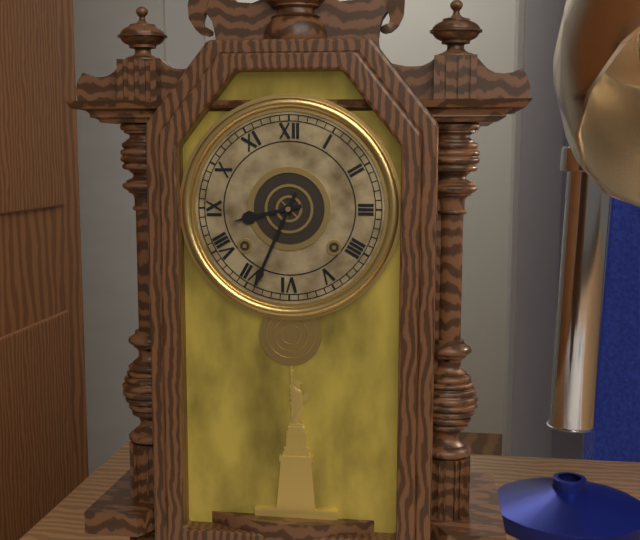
8:34
